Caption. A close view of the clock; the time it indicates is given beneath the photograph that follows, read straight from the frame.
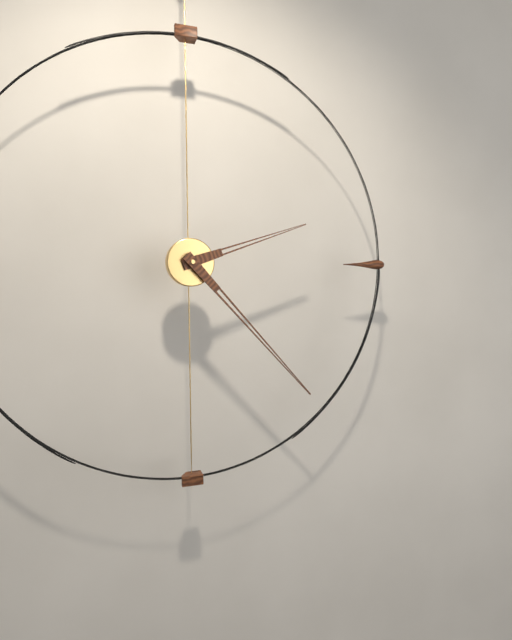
2:23
